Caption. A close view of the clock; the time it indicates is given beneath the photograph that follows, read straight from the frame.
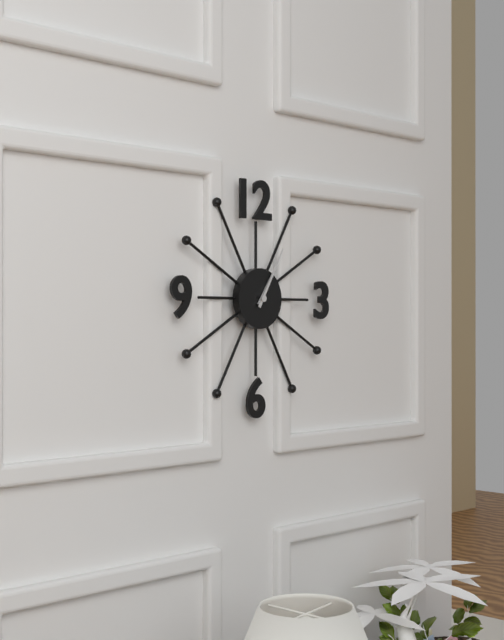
1:05
